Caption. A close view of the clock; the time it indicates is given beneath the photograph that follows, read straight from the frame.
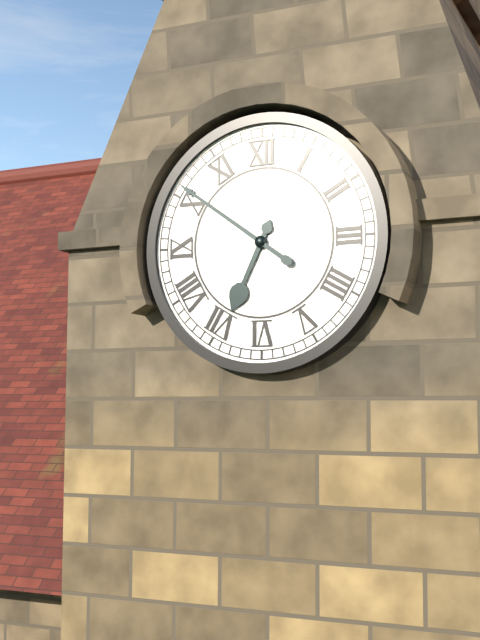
6:51
